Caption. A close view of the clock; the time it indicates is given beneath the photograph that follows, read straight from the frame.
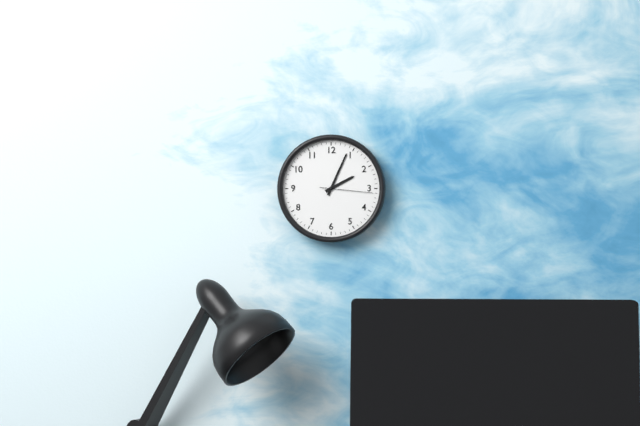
2:04:16
